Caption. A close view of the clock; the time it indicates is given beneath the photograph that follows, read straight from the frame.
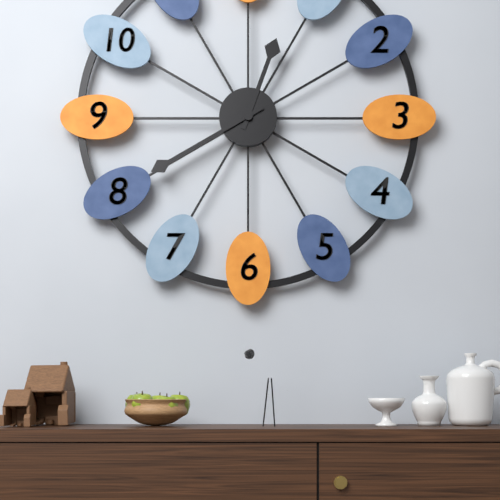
12:40
